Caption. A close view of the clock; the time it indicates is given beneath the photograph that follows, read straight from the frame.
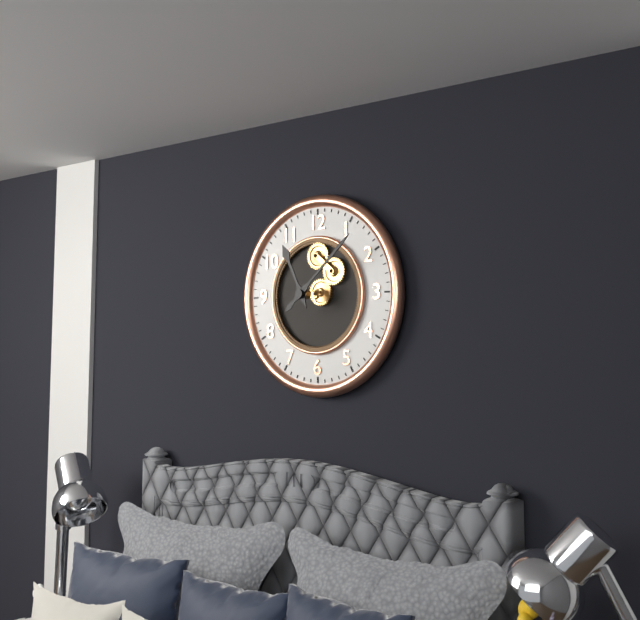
11:08
